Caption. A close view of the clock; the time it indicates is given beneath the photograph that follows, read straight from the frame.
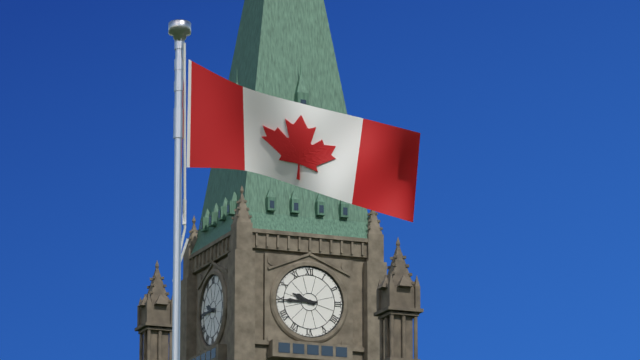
9:45
